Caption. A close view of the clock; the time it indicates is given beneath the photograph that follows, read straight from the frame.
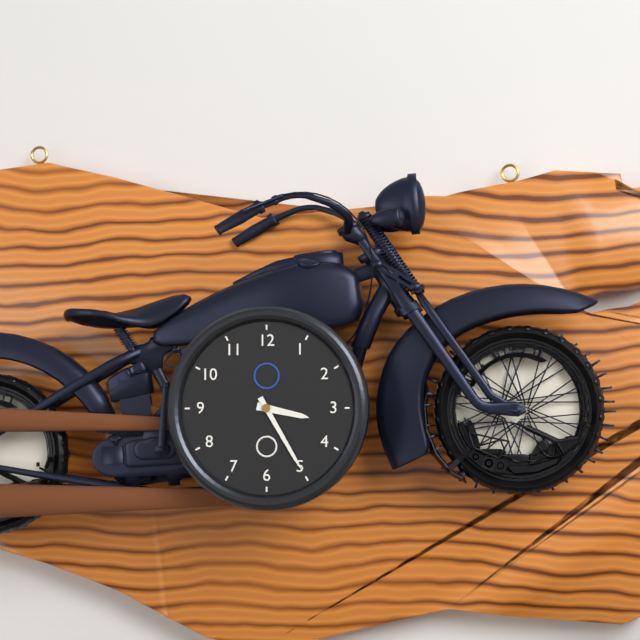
3:25
